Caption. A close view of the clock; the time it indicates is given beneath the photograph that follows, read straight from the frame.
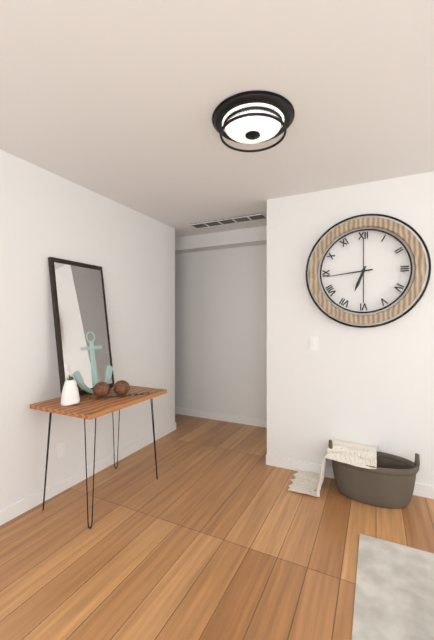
6:44
